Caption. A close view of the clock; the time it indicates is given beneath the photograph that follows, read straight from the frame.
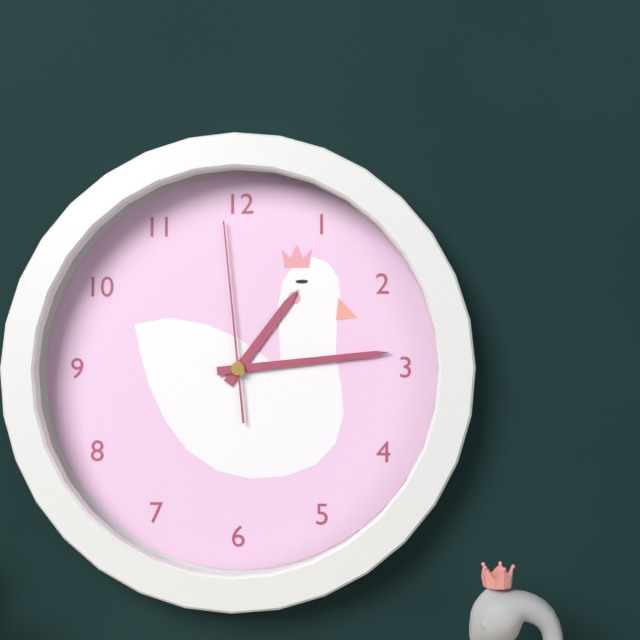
1:14:59
